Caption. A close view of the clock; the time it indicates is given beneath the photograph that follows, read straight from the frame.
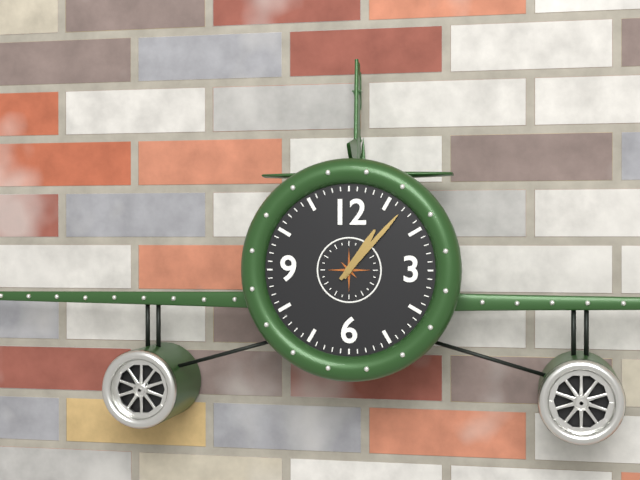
1:07
